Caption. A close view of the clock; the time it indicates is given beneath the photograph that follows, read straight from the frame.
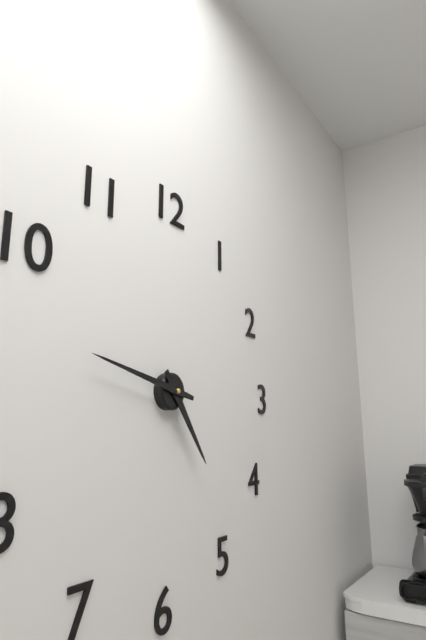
4:47
